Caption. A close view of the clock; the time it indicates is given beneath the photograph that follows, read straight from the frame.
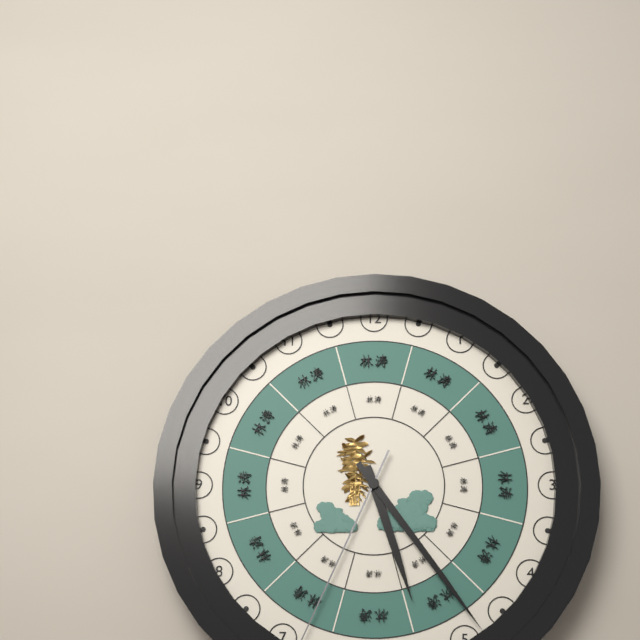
5:24
